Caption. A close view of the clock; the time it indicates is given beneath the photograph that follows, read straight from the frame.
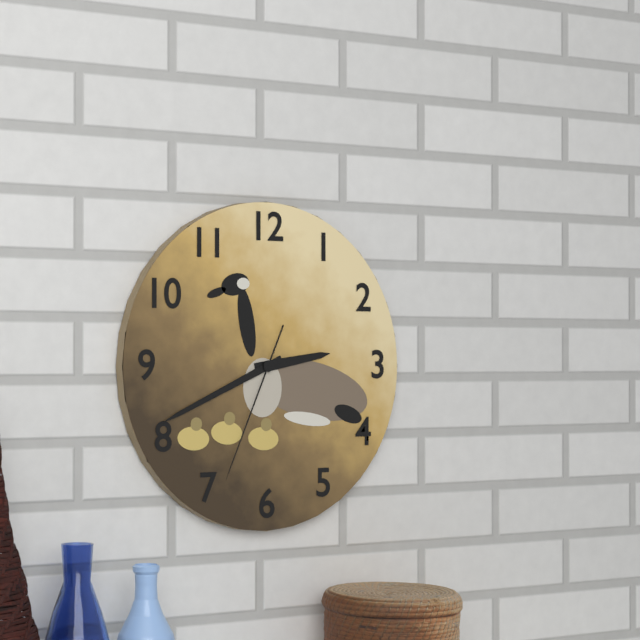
2:41:34
